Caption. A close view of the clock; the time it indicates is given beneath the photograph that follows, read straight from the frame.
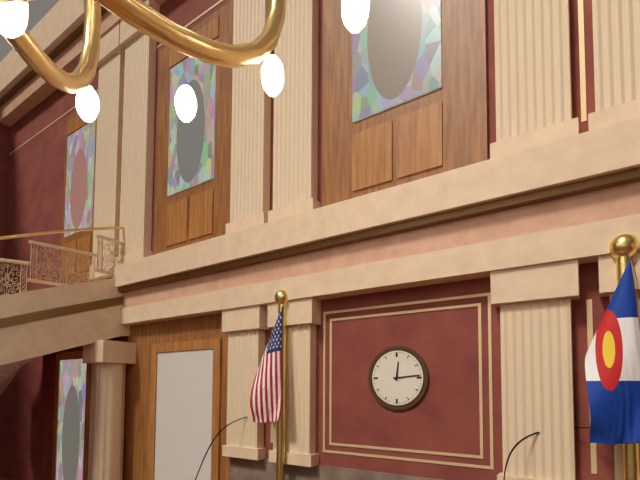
12:14
